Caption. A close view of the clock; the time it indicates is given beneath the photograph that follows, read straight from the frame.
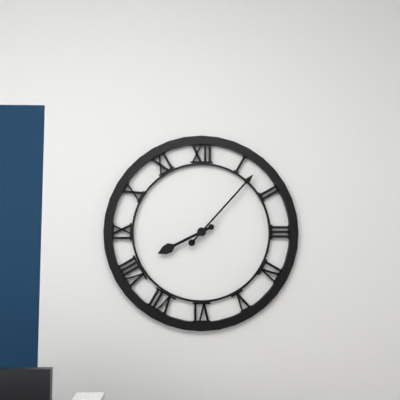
8:07
